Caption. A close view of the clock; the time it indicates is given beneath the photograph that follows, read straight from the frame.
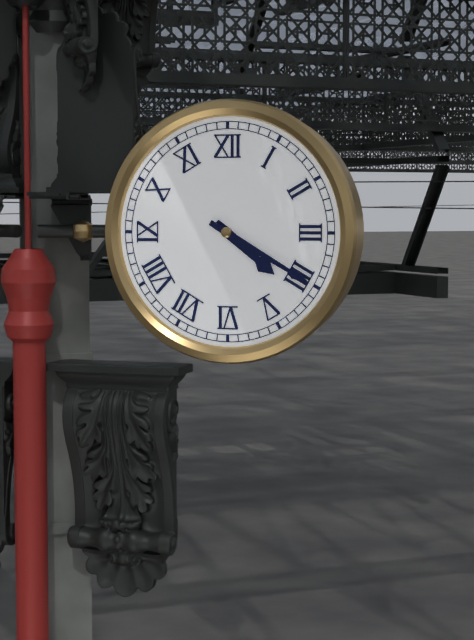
4:20
